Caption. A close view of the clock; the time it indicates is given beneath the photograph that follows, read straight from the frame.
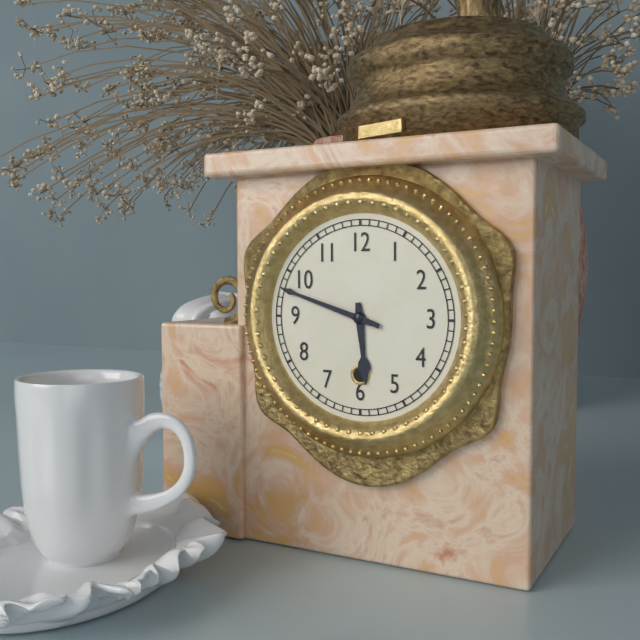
5:48
